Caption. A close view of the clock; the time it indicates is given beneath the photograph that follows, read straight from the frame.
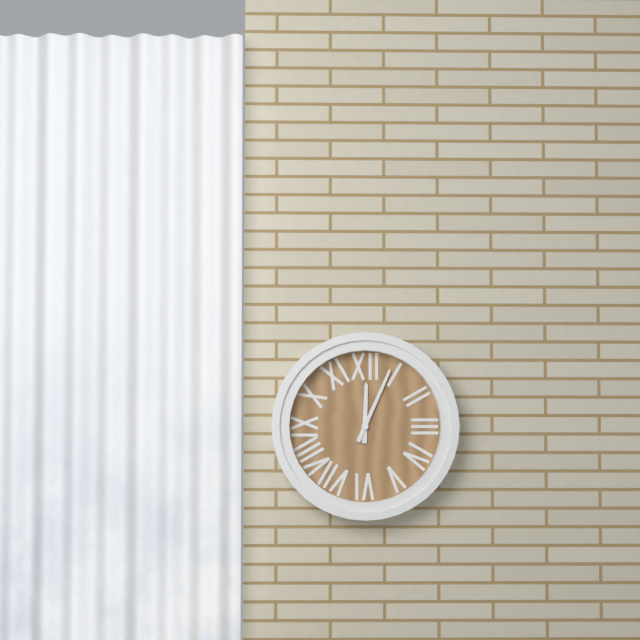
12:04
